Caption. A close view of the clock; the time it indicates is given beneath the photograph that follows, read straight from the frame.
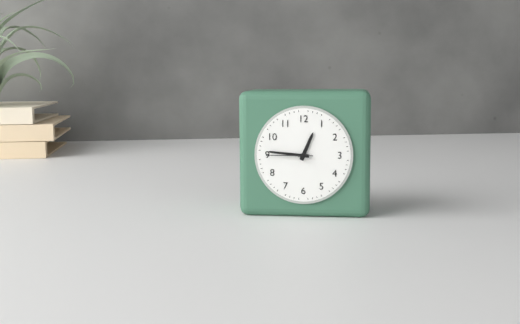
12:46
